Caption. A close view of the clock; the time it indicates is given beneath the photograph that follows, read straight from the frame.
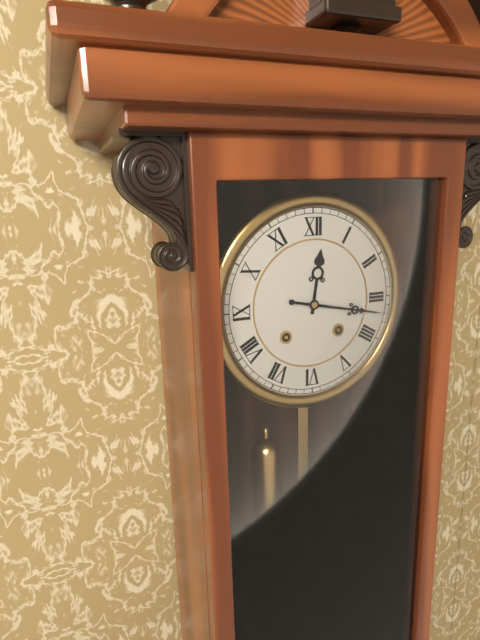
12:17
